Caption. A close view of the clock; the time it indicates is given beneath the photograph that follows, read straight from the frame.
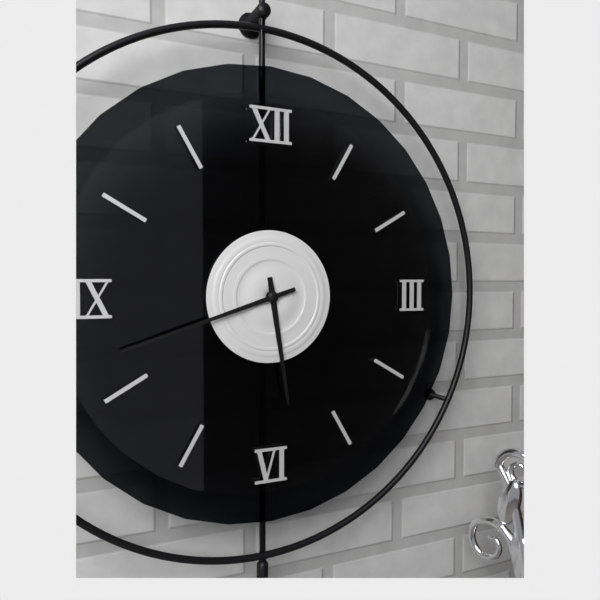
5:42
